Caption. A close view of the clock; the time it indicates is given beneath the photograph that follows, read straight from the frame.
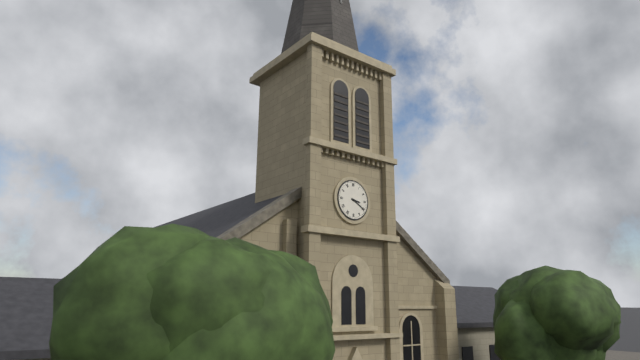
3:20
